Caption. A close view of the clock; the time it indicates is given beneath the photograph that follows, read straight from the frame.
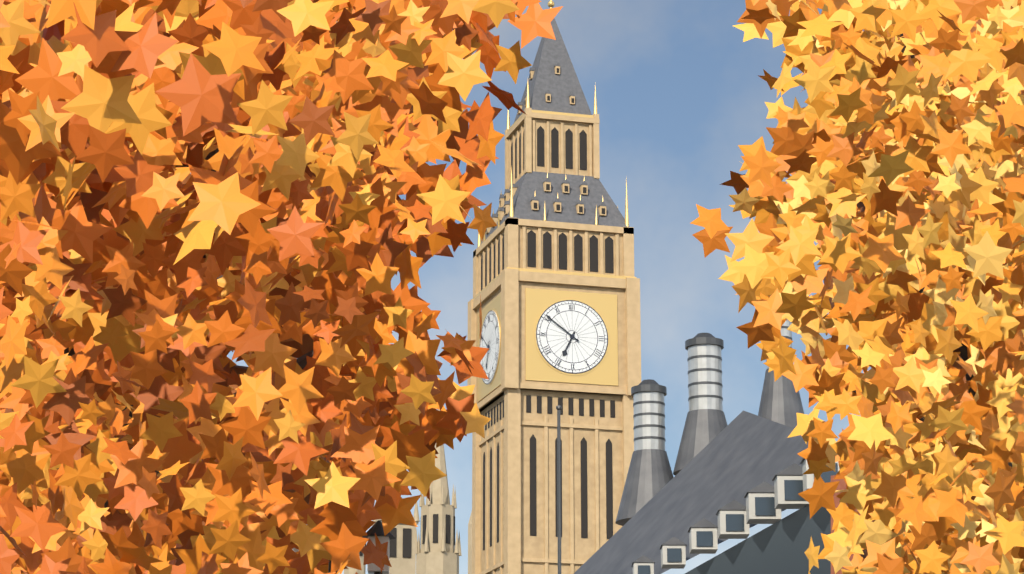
6:51
